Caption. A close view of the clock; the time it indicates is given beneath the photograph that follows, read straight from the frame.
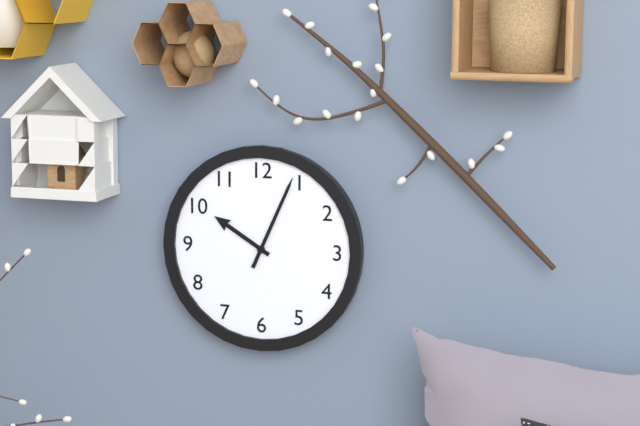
10:04
